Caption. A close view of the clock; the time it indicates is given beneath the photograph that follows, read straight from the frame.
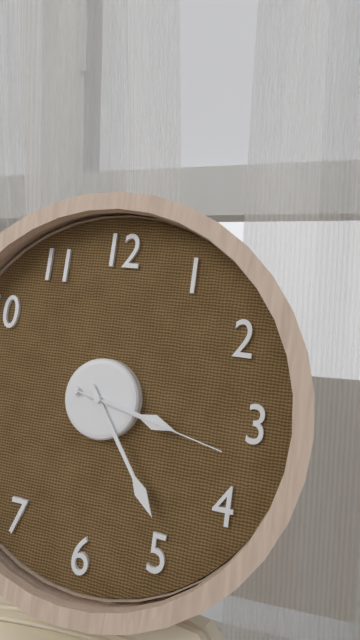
3:24:17
